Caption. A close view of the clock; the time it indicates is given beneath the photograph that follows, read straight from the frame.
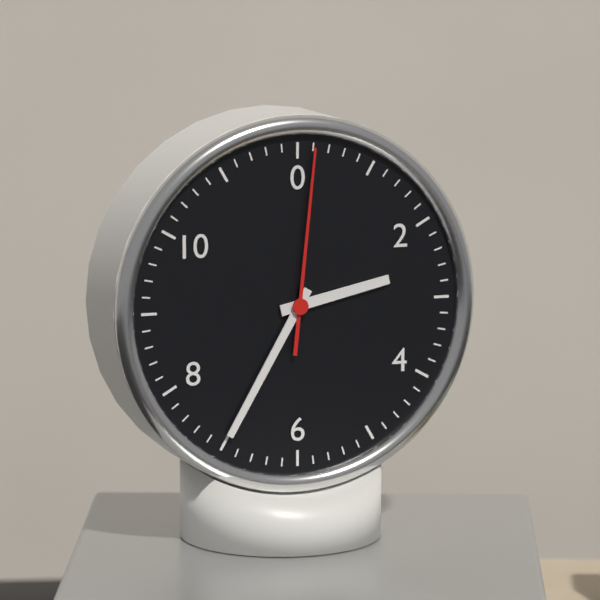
2:35:01
